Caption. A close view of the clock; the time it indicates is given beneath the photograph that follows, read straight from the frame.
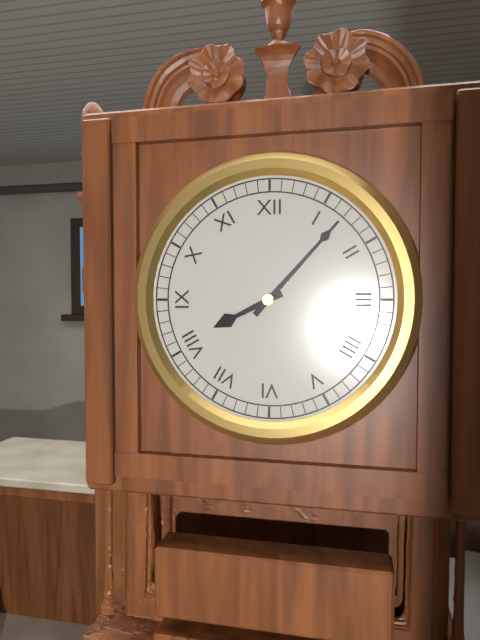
8:07
